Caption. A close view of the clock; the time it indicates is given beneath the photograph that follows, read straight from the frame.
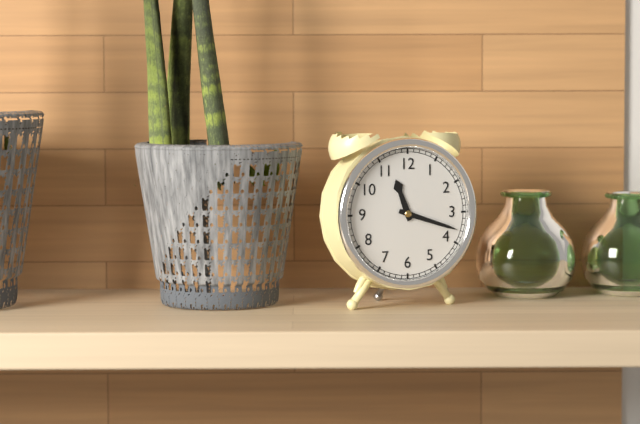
11:18
